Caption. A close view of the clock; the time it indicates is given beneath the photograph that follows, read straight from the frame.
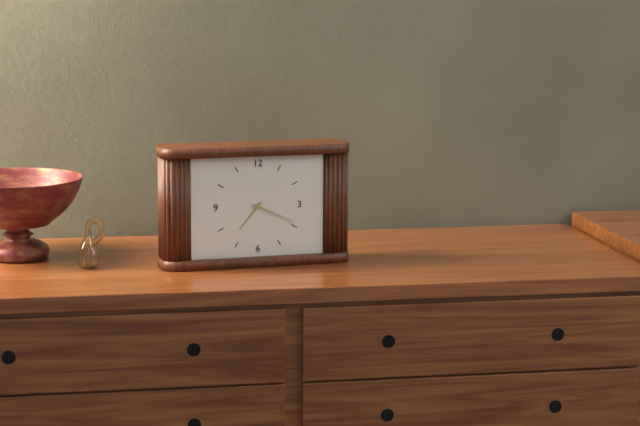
7:19
